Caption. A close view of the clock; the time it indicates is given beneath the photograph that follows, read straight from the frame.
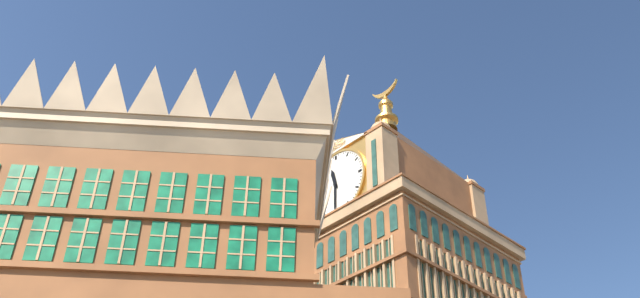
11:30
